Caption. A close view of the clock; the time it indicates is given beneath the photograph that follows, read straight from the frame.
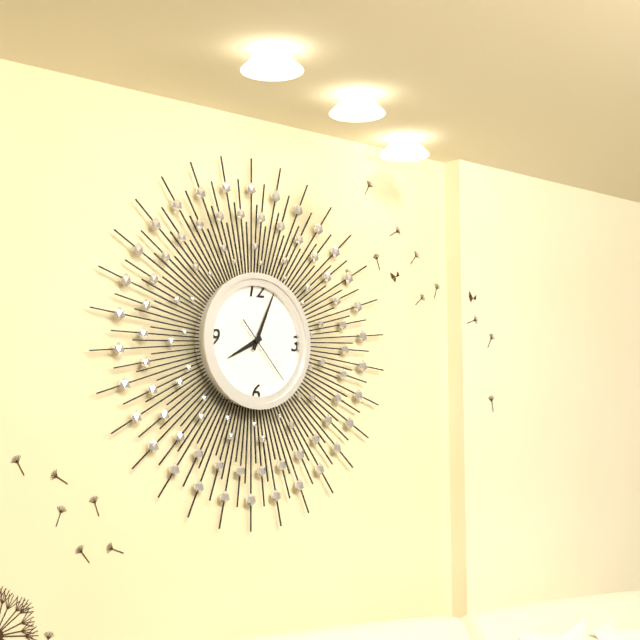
8:04:23
